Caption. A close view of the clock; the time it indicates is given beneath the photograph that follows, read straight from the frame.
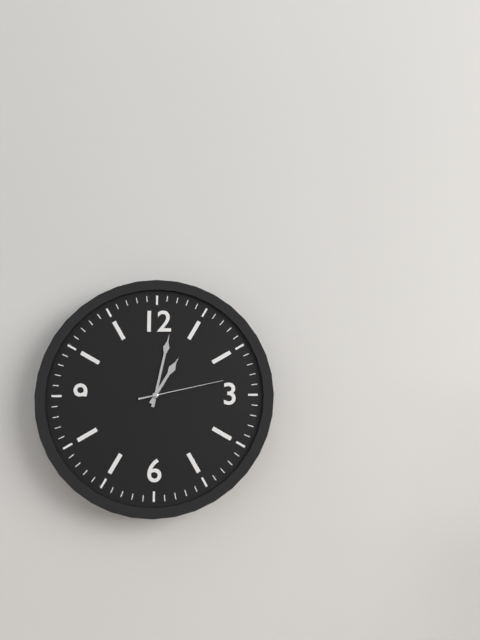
1:02:13
